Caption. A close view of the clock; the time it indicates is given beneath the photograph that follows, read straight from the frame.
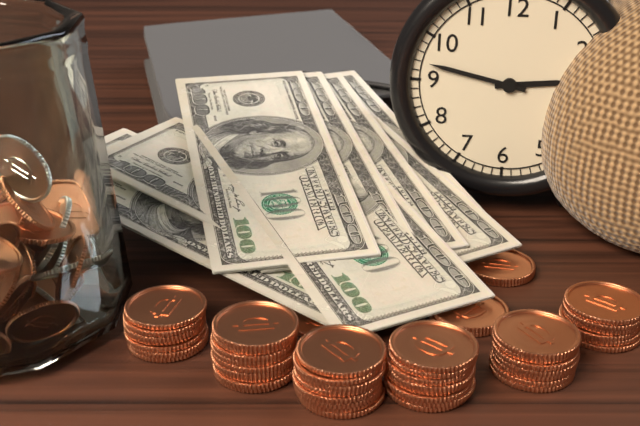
2:47
